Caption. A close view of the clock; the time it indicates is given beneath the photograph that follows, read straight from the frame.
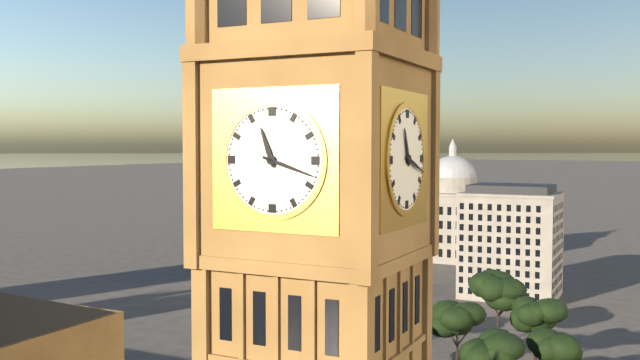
11:18
